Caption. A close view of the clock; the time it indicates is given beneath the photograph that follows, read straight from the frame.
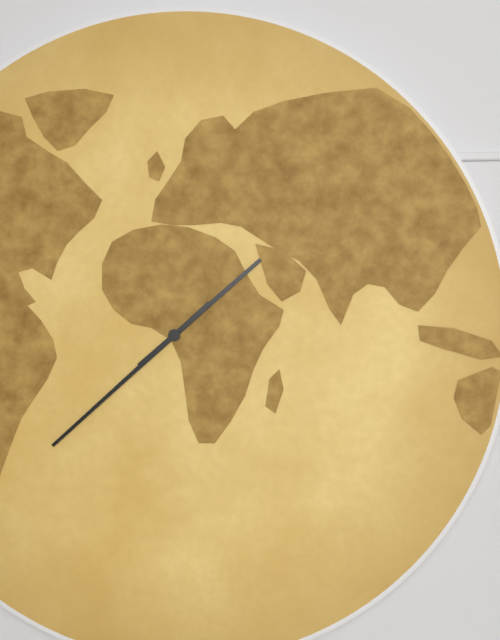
1:38
